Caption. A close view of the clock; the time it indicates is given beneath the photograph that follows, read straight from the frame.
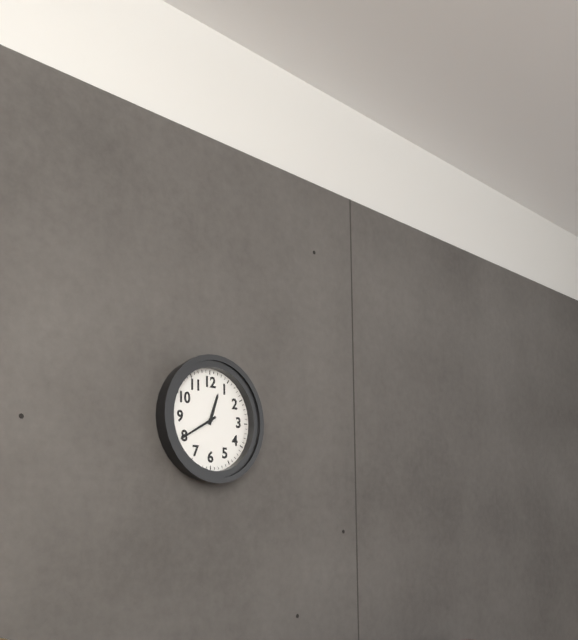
12:40
